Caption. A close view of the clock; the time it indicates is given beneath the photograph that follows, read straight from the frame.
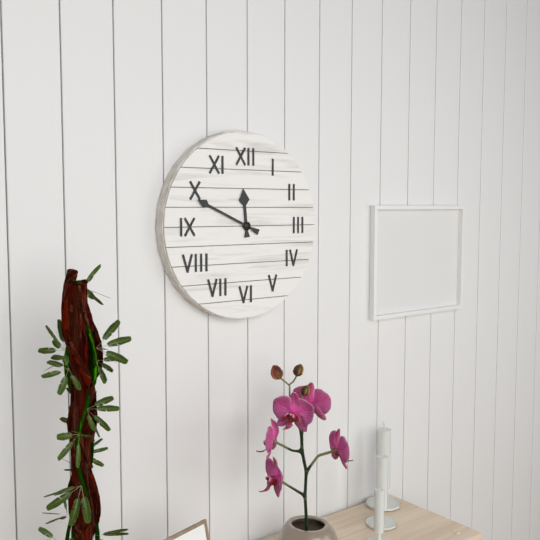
11:49
